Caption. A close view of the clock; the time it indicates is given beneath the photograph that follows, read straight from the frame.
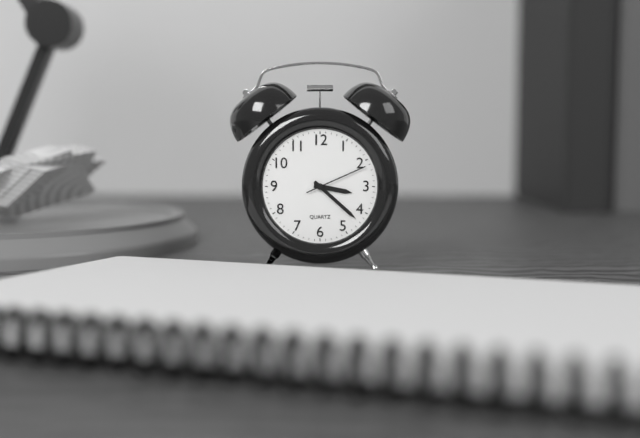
3:22:11
